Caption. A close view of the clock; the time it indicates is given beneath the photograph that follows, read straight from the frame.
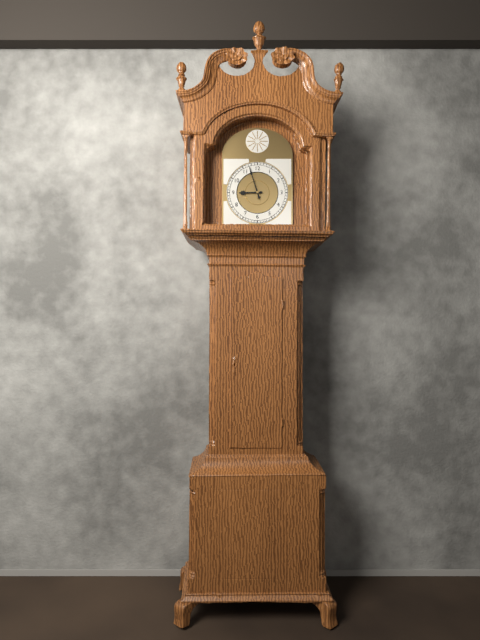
8:57
